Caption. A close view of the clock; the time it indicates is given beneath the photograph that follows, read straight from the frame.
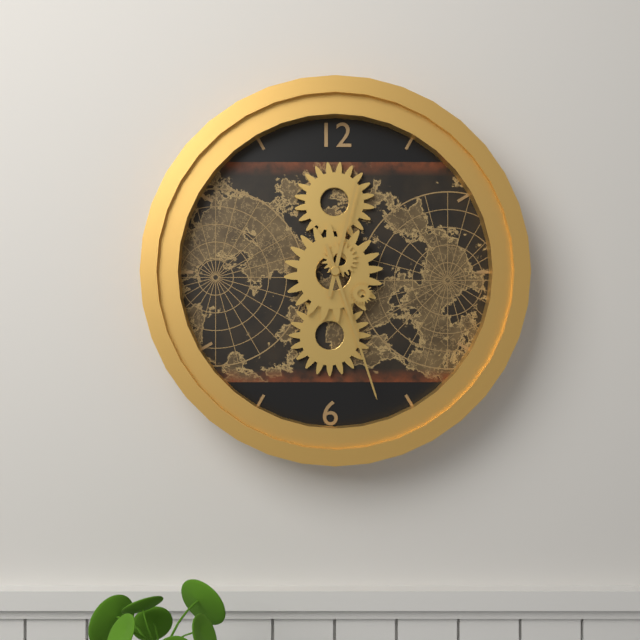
12:27
